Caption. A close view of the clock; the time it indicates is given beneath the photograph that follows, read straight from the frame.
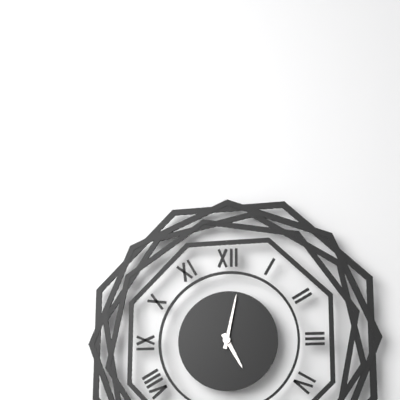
5:02
